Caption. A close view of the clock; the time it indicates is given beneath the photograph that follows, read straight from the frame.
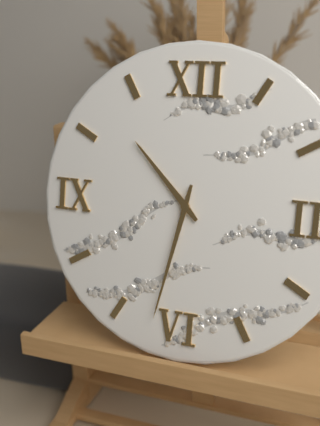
10:32
